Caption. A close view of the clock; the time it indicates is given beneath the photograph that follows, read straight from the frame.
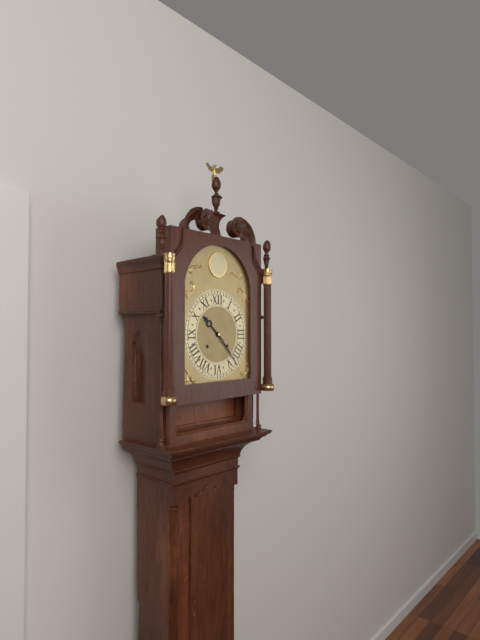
10:23
